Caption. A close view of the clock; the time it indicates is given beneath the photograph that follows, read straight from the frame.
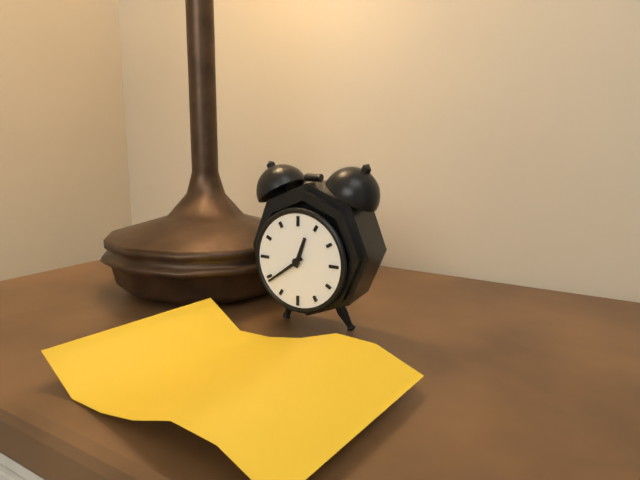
12:39
